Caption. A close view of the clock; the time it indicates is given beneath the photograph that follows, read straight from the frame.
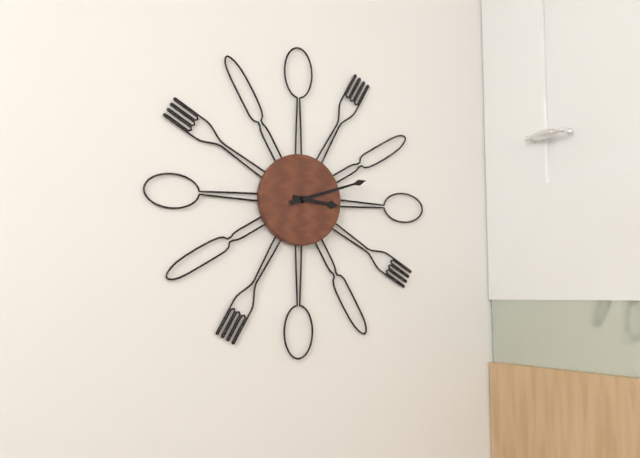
3:12
